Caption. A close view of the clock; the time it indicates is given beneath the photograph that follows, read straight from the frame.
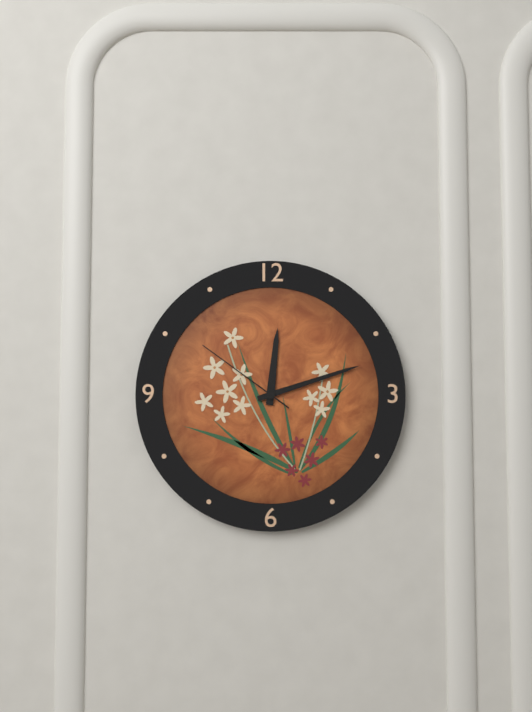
12:12:51
